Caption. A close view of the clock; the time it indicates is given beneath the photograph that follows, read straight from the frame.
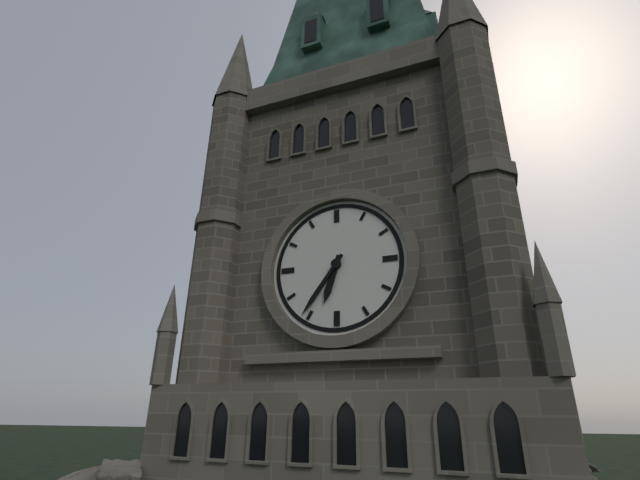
6:36
